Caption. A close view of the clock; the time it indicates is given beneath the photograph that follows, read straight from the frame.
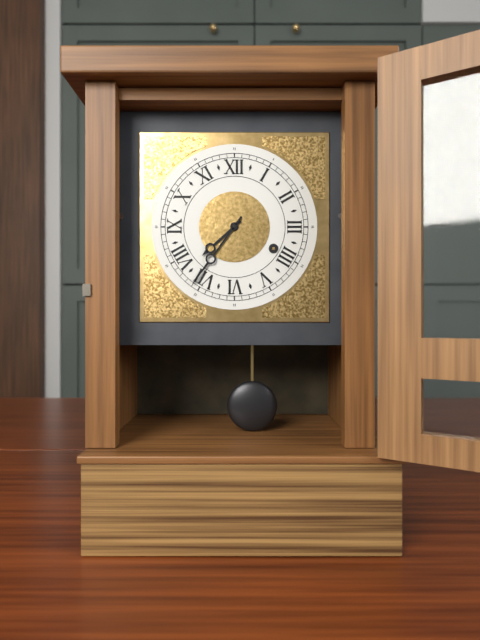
7:36
